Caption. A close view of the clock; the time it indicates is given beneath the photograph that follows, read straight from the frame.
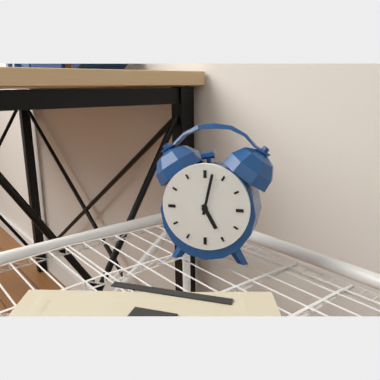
5:02
